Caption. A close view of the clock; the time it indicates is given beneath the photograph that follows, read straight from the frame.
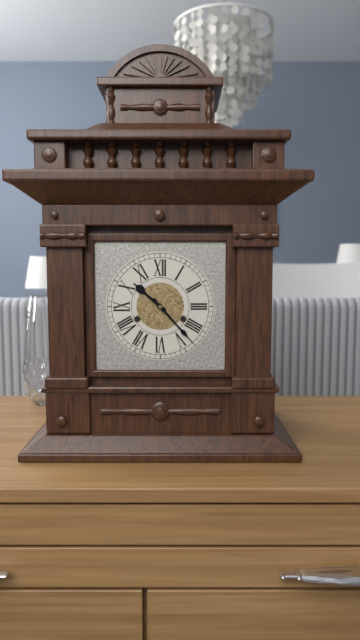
10:23
